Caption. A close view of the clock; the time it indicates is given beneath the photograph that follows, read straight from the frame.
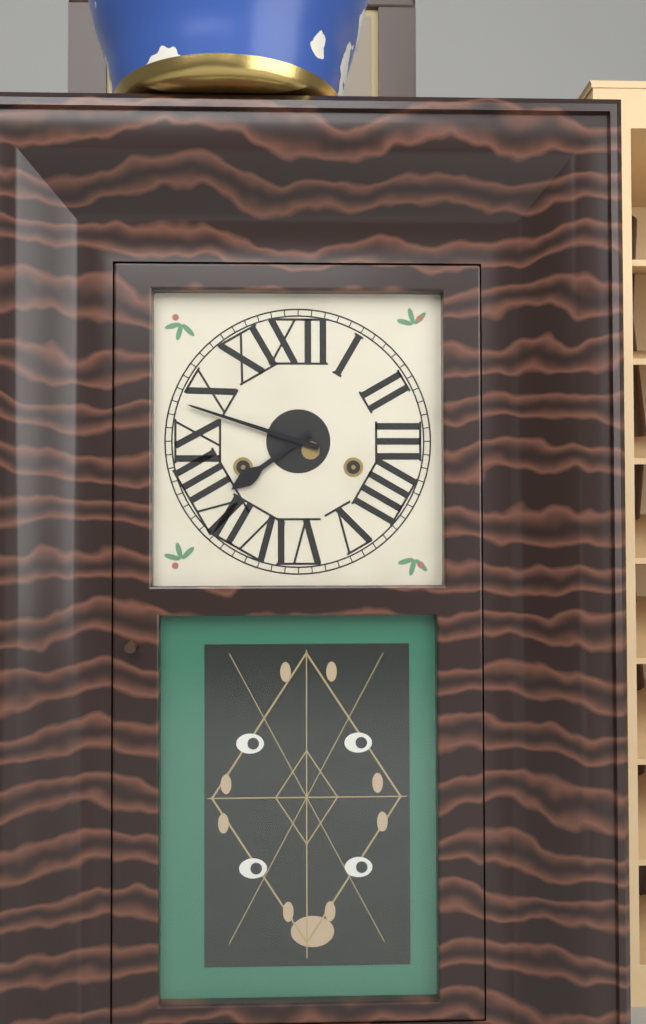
7:48
